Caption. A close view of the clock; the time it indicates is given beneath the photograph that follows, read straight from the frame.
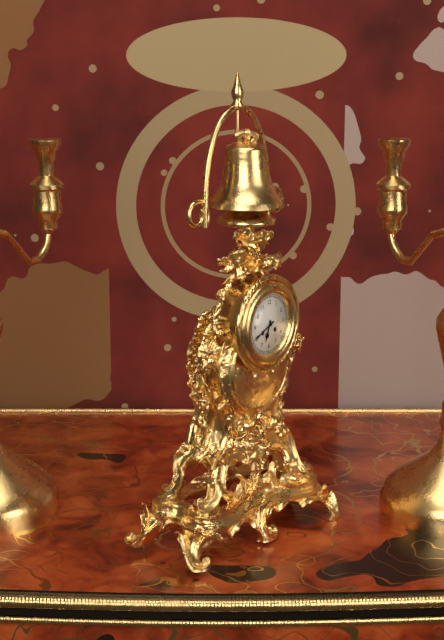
6:41
